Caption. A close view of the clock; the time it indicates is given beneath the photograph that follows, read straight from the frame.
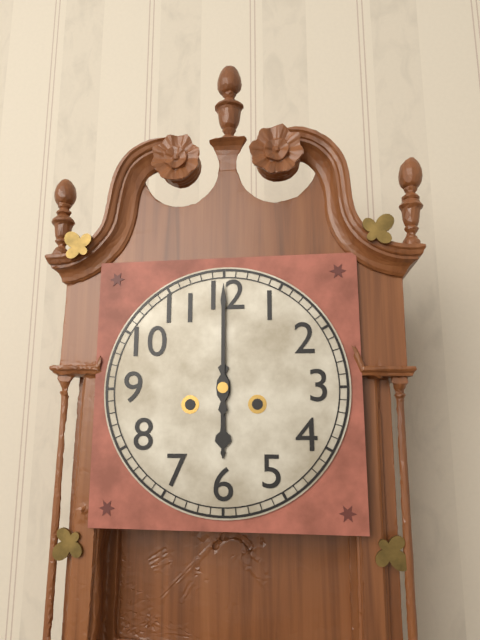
6:00
